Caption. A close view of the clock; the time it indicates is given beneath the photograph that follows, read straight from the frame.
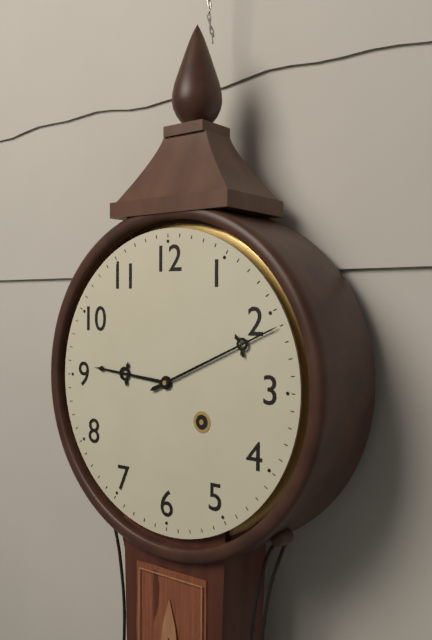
9:11
